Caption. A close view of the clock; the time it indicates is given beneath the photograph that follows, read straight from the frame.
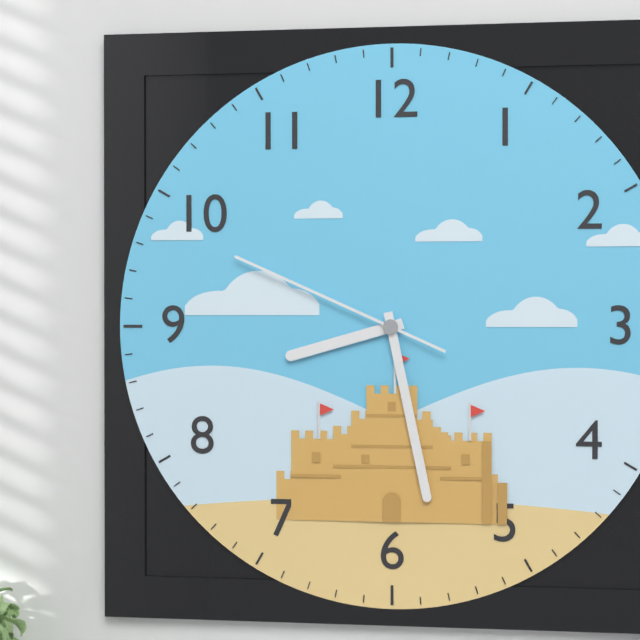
8:28:49
